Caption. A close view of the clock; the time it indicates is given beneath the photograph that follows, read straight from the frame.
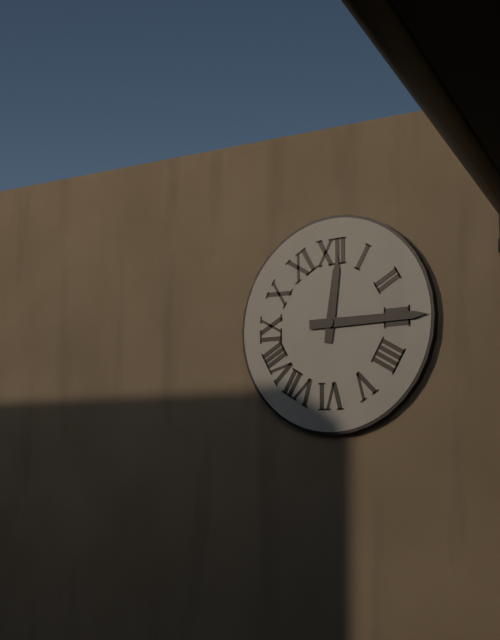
12:15
